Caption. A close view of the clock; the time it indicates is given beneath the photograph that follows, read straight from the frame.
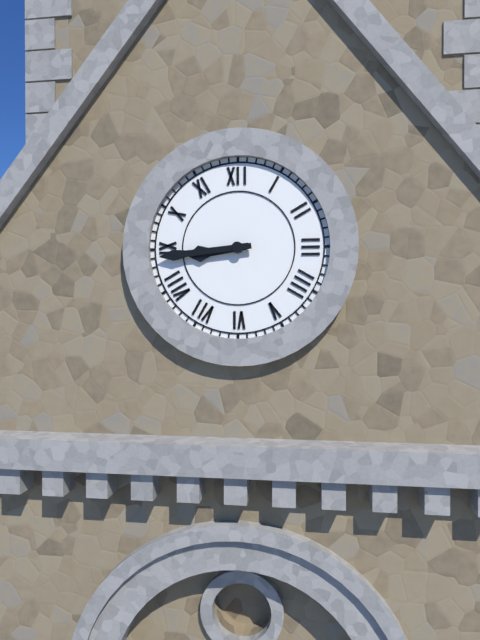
8:44
